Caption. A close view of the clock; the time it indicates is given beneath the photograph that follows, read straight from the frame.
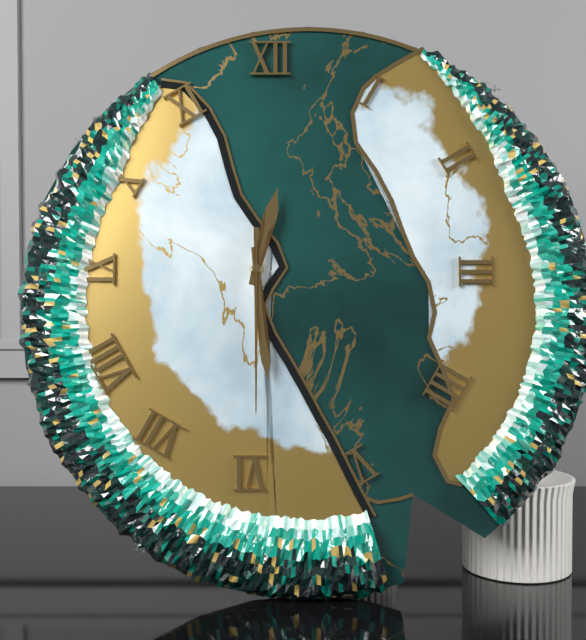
12:29:30
